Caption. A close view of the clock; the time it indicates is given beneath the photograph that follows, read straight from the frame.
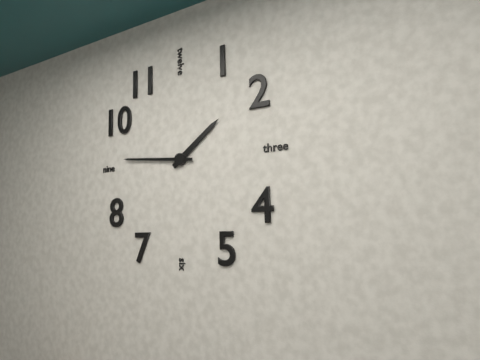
1:46
